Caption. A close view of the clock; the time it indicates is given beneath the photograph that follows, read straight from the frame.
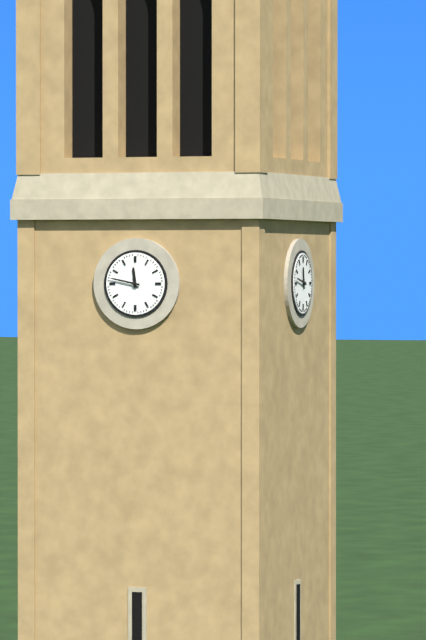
11:47
